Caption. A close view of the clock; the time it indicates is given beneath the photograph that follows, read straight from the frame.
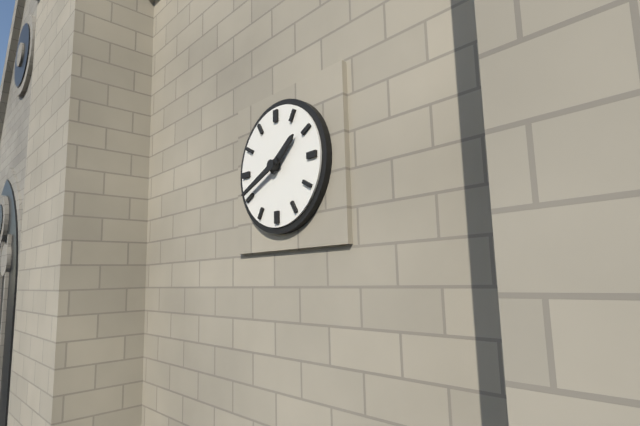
1:41
